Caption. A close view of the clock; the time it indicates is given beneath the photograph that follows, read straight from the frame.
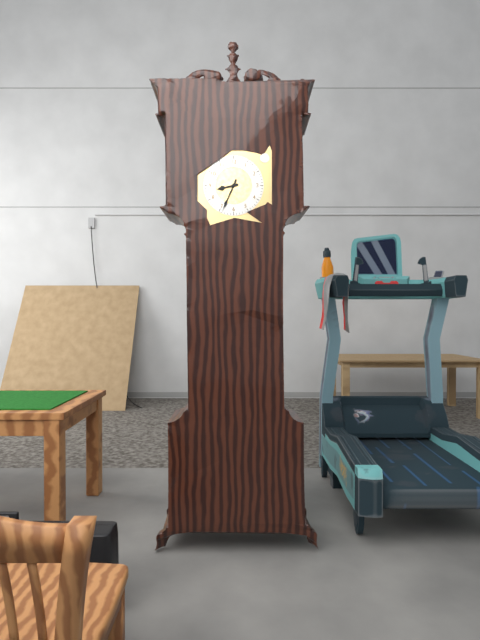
8:34
